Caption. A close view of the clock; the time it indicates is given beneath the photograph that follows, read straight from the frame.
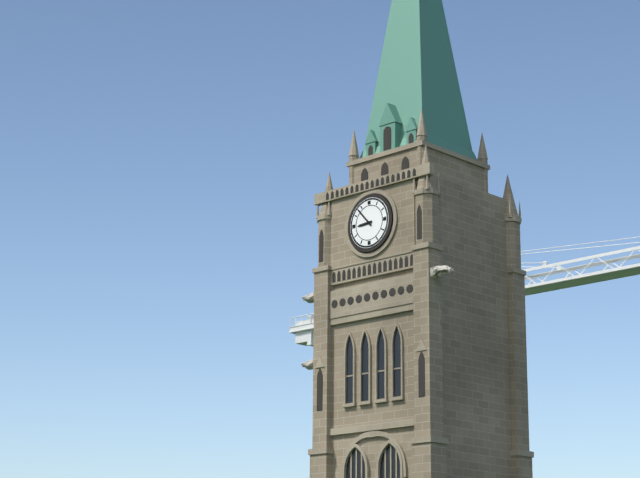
8:53
